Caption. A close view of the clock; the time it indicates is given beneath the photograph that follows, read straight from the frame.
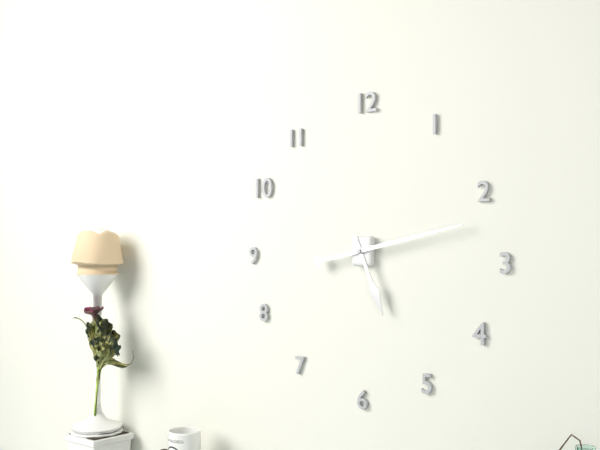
5:13
